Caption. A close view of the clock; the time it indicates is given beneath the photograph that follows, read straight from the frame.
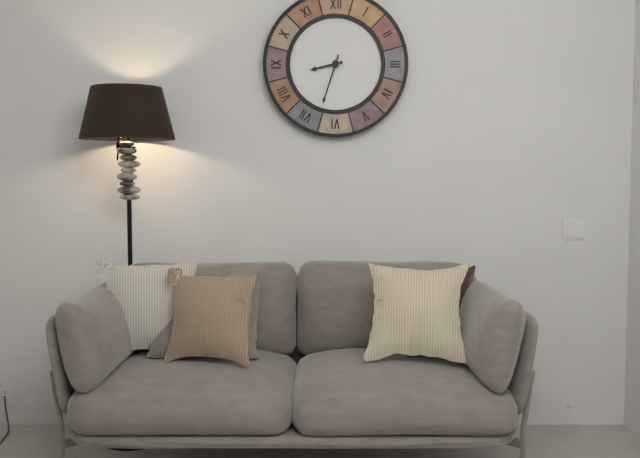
8:33
